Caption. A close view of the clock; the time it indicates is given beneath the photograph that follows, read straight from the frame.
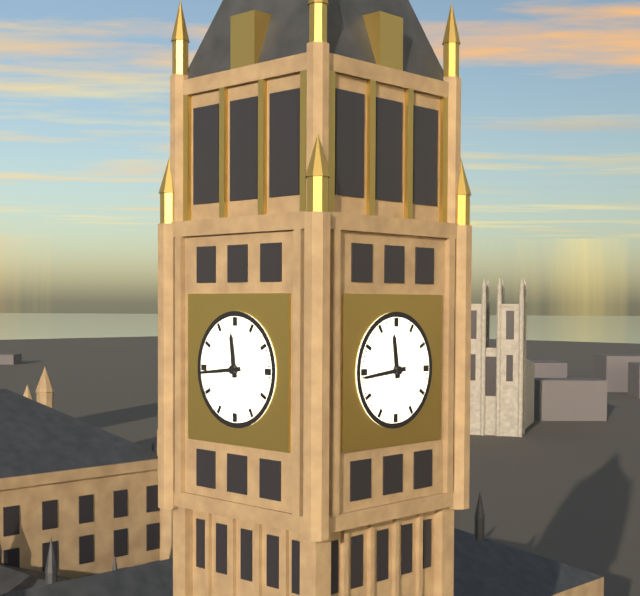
11:44
